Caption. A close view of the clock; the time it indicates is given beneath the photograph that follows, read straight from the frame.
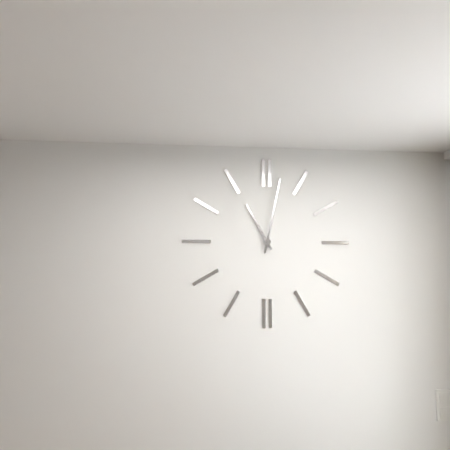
11:02
